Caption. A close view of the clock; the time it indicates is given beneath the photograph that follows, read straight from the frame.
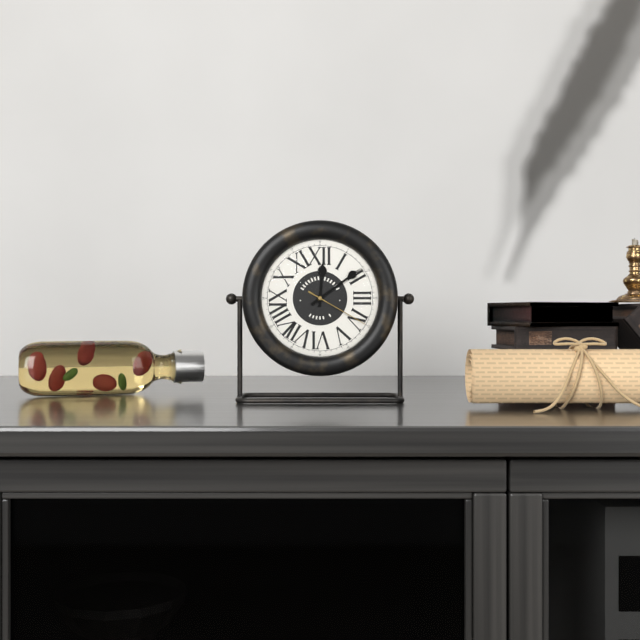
12:09:20
